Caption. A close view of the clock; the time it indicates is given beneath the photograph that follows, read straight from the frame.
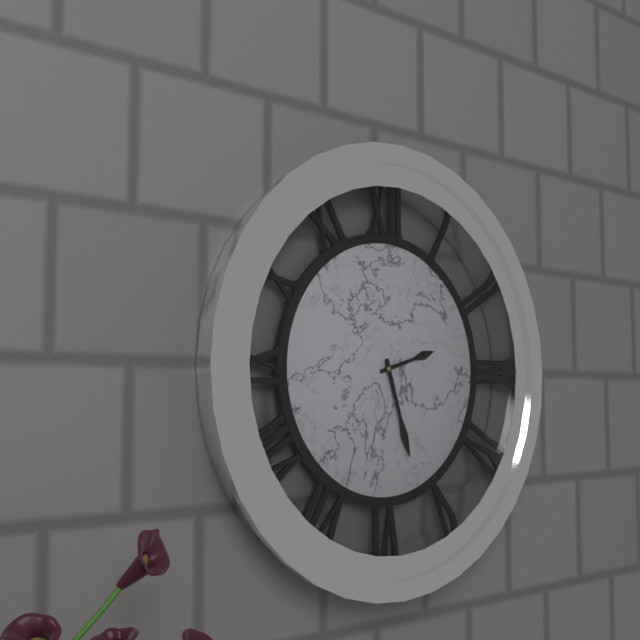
2:27
